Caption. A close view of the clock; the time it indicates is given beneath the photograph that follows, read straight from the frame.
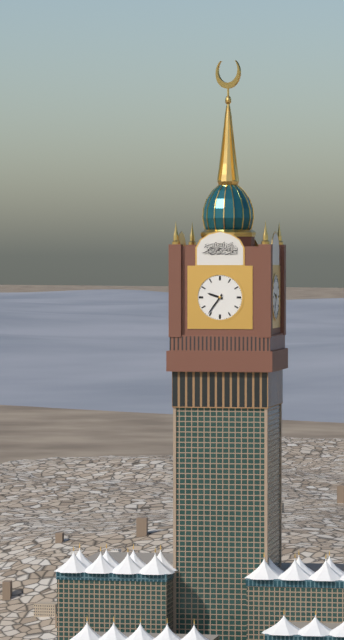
9:36
